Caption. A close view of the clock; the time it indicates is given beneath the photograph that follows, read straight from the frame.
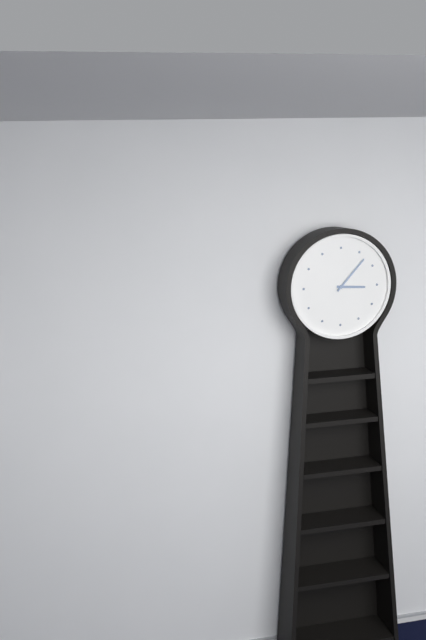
3:07
